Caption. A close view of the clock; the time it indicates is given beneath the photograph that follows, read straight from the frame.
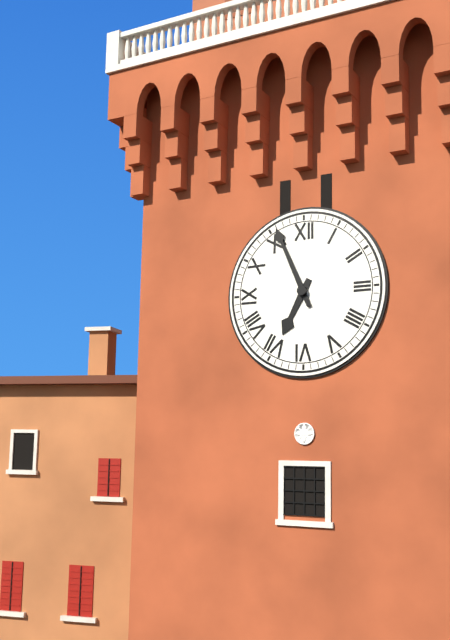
6:56
